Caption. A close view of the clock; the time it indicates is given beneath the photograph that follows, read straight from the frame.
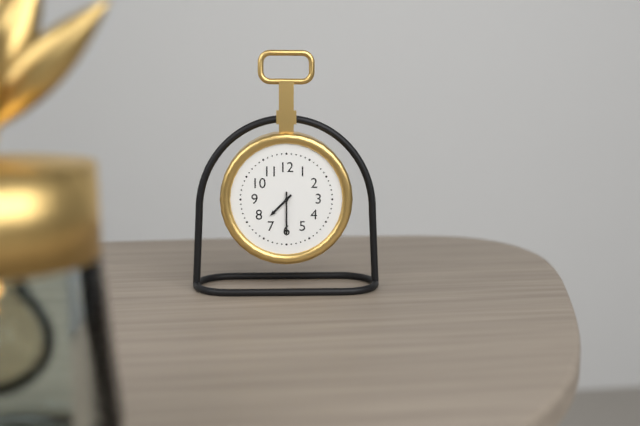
7:30
